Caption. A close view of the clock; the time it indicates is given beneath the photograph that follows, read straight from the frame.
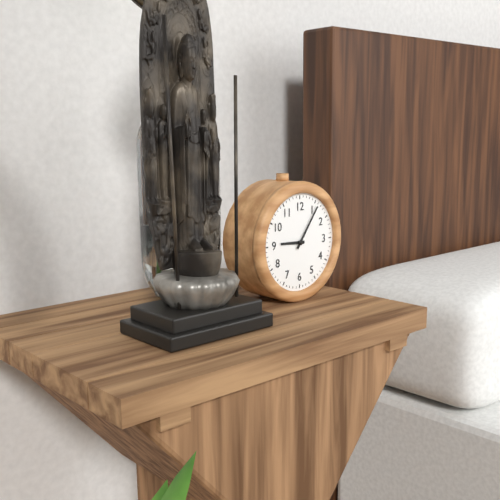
9:06
